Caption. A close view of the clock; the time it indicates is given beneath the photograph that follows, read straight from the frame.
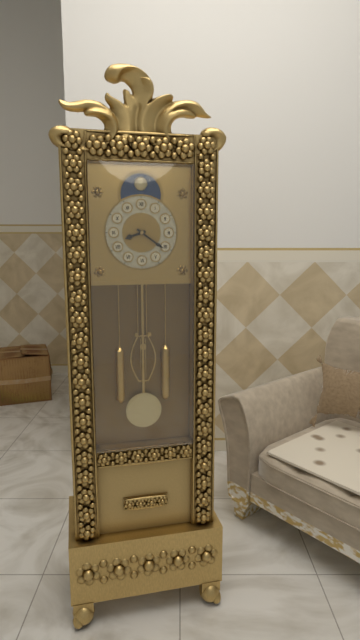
8:21
